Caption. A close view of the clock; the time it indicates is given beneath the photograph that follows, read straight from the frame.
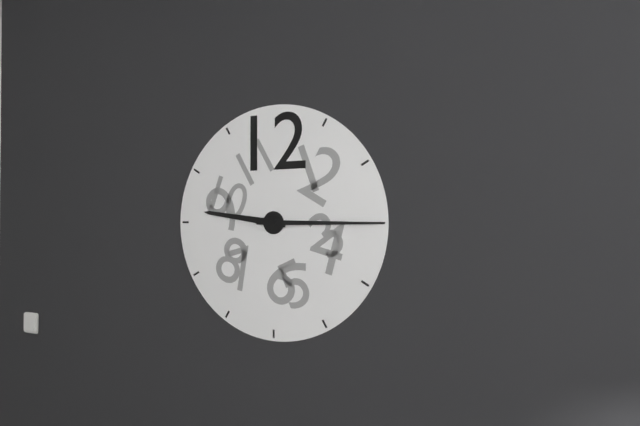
9:15
